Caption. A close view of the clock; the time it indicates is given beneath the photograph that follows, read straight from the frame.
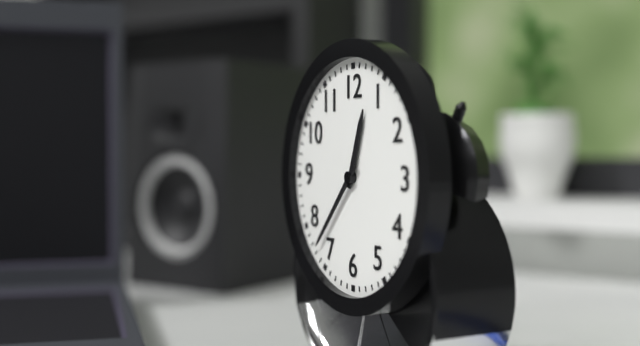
12:37
